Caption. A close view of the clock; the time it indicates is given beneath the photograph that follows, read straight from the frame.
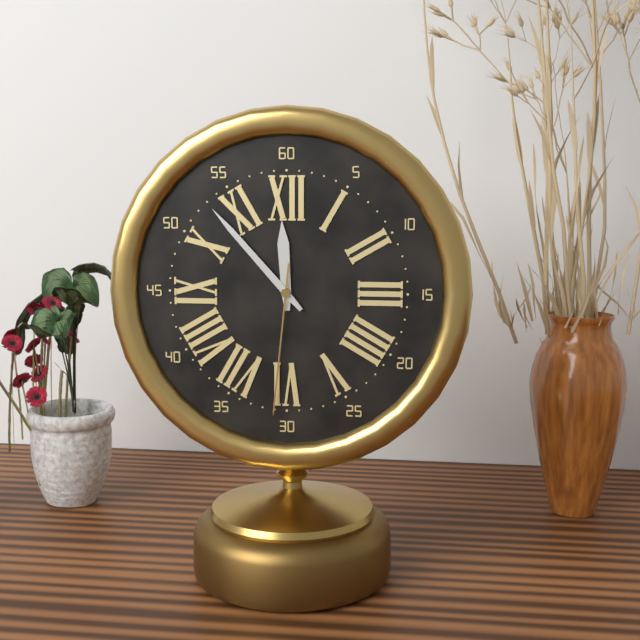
11:53:31
